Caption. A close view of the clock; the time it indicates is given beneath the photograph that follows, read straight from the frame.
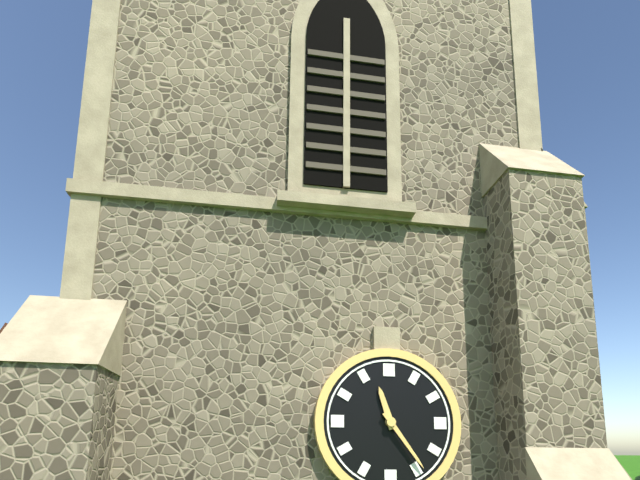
11:24
